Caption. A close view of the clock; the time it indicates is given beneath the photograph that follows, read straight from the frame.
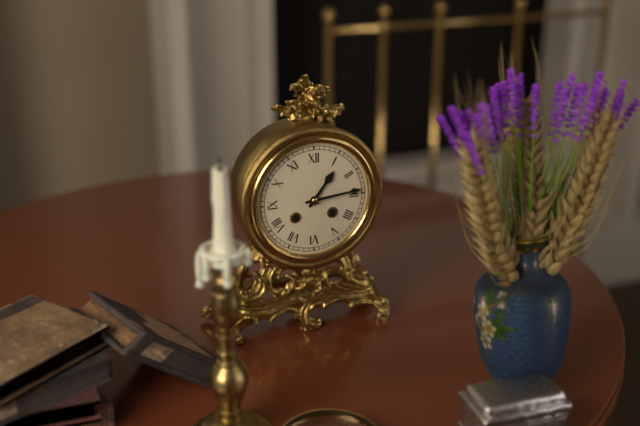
1:14
